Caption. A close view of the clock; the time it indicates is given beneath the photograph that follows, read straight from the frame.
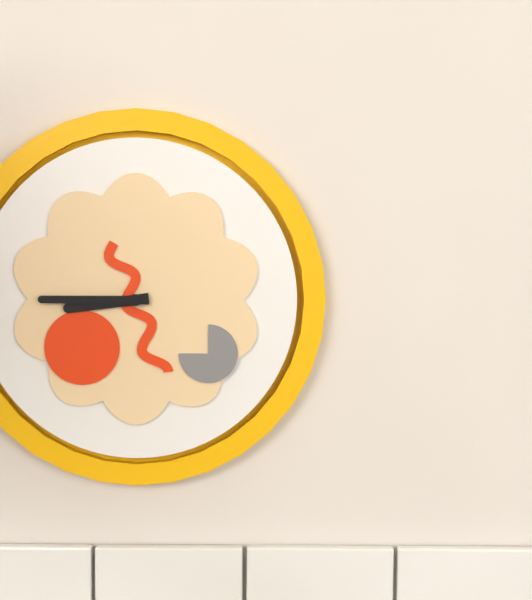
8:45
